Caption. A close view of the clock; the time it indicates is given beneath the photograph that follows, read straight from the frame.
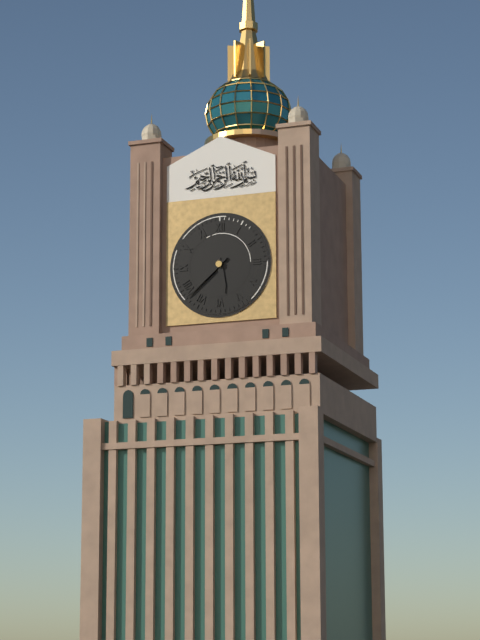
5:38
